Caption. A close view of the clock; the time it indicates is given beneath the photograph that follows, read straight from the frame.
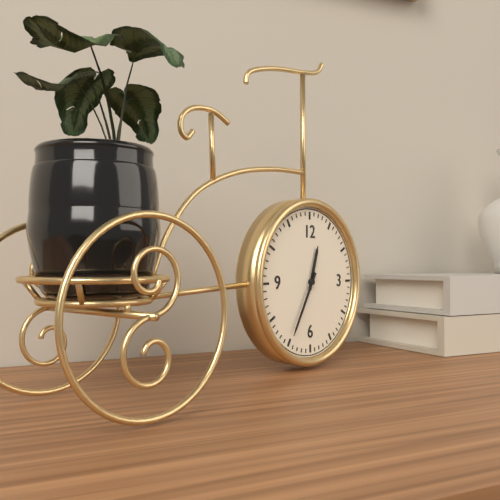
12:35
